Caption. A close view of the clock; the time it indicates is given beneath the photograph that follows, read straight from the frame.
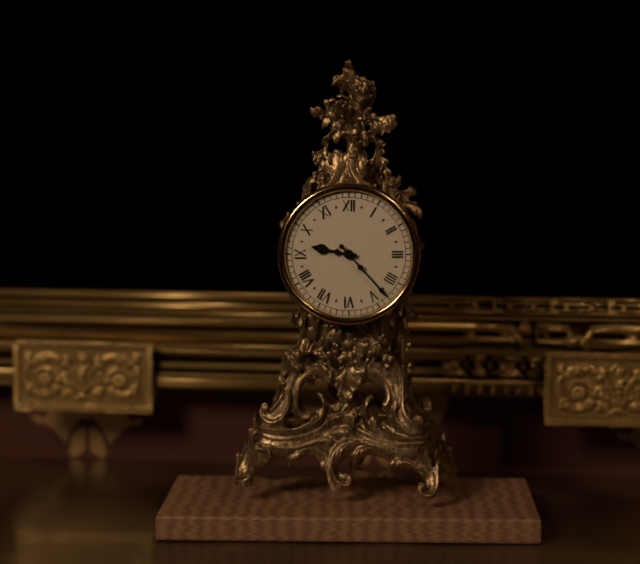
9:23
